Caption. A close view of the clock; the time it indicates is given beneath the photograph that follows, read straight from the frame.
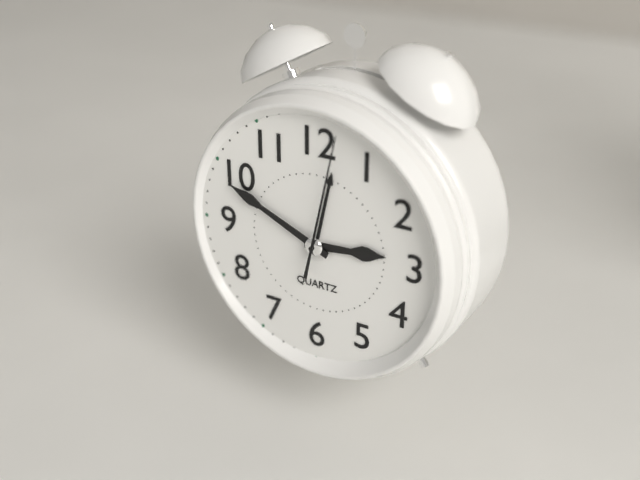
2:49:02
